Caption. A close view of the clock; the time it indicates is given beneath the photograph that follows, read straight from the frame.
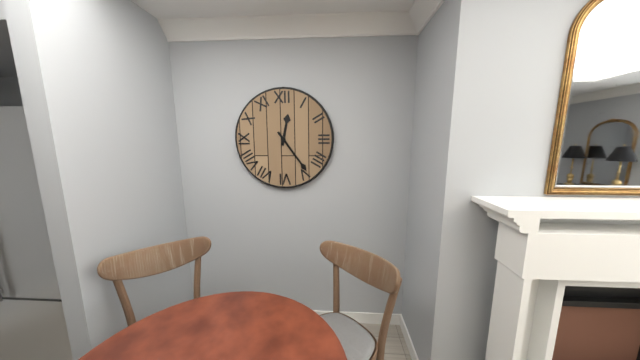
12:24
